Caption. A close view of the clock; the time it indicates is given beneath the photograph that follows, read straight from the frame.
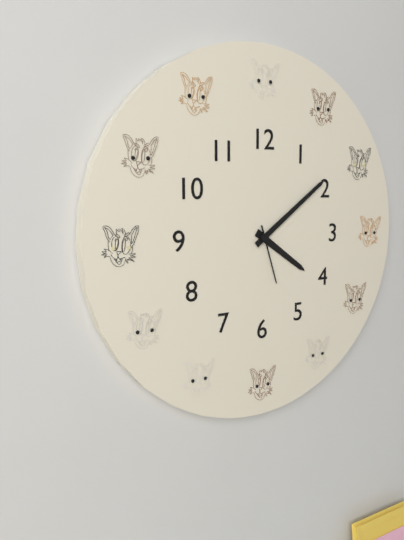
4:09:27
